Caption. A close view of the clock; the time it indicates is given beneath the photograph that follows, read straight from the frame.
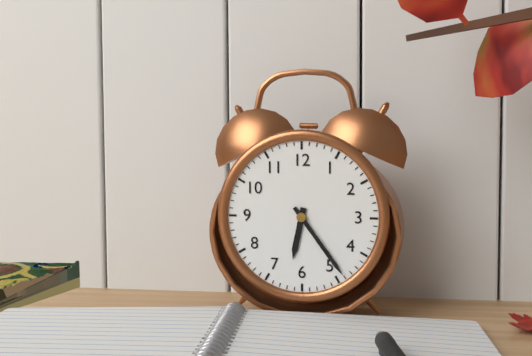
6:24
